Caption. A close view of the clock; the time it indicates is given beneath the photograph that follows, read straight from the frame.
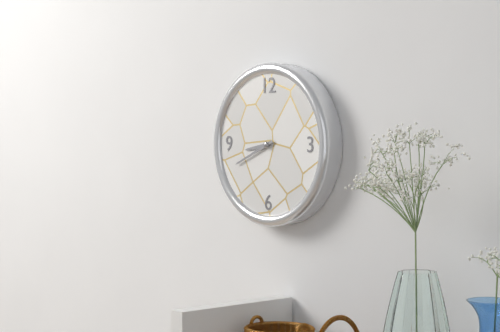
8:41
